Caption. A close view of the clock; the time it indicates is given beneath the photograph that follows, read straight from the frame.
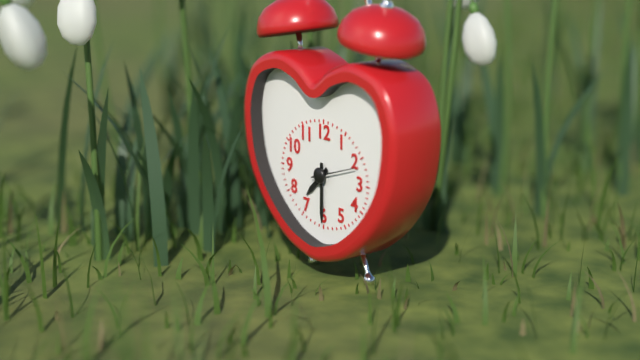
7:30
